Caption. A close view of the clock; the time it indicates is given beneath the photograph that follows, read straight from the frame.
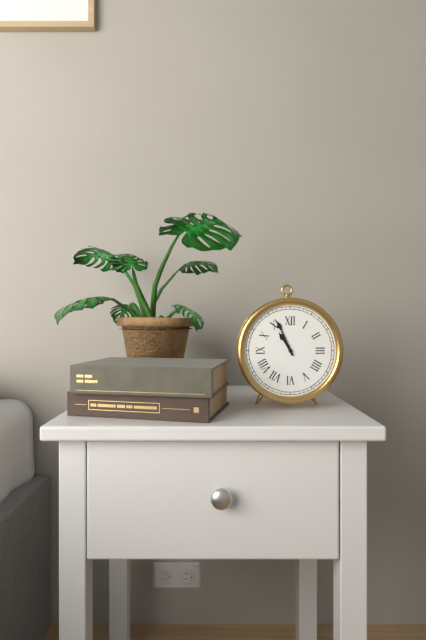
10:56
